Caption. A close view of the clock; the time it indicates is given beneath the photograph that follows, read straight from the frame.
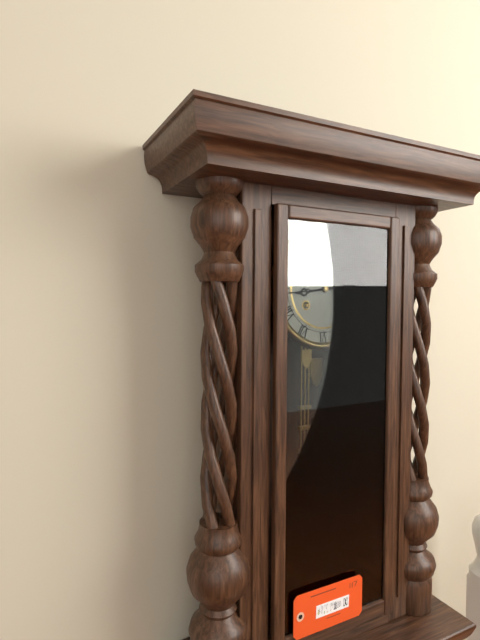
8:44
